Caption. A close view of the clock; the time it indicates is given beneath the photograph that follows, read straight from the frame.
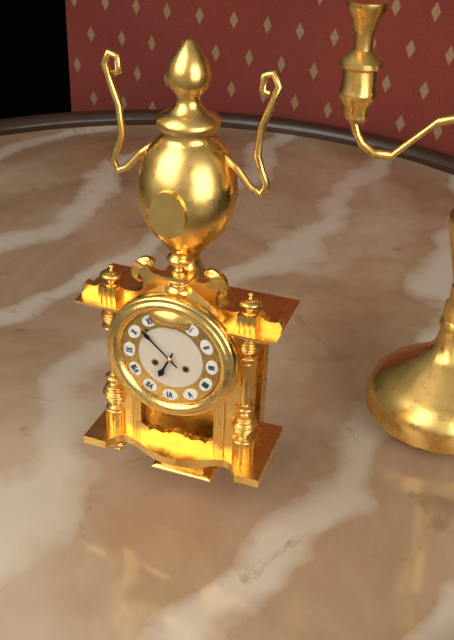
6:52
